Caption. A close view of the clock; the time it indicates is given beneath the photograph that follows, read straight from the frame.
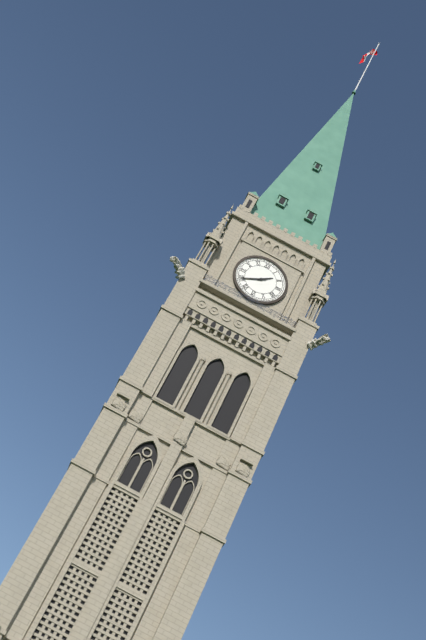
1:40
